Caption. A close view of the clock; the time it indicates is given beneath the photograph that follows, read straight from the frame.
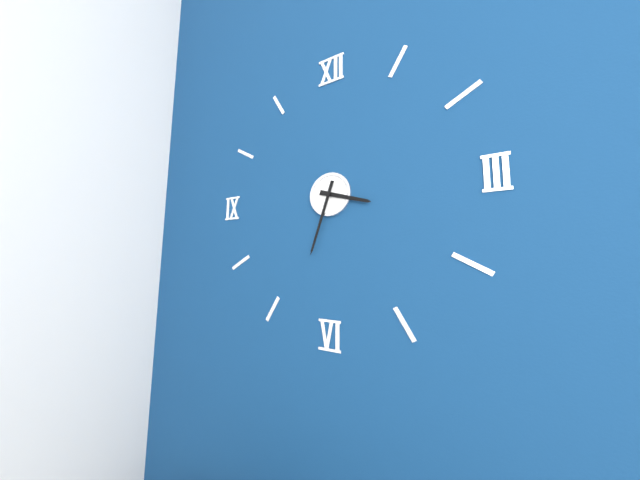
3:33
